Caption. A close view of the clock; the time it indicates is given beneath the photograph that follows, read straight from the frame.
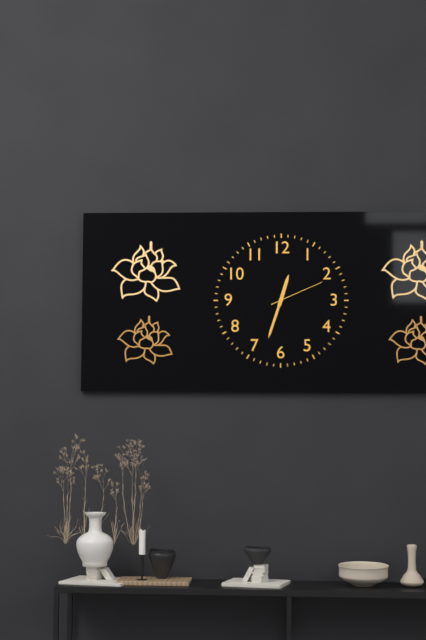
12:33:11
